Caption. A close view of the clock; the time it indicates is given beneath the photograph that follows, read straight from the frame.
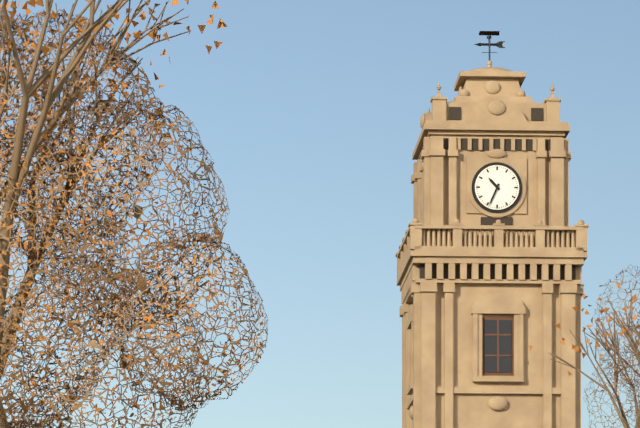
10:34
